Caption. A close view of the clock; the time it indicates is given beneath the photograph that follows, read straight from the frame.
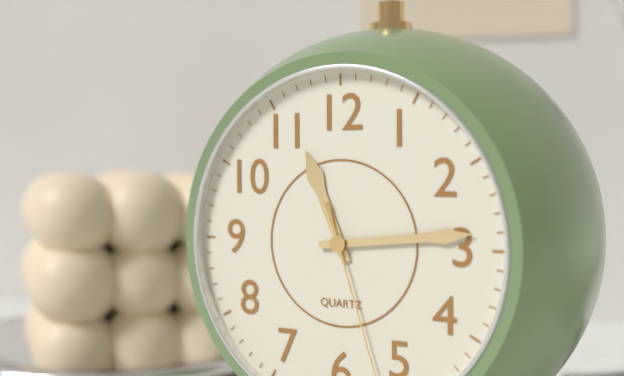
11:14
